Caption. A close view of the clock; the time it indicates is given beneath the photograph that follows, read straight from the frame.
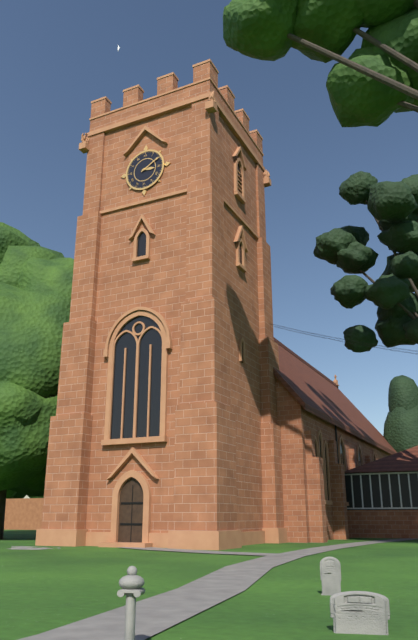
3:10
